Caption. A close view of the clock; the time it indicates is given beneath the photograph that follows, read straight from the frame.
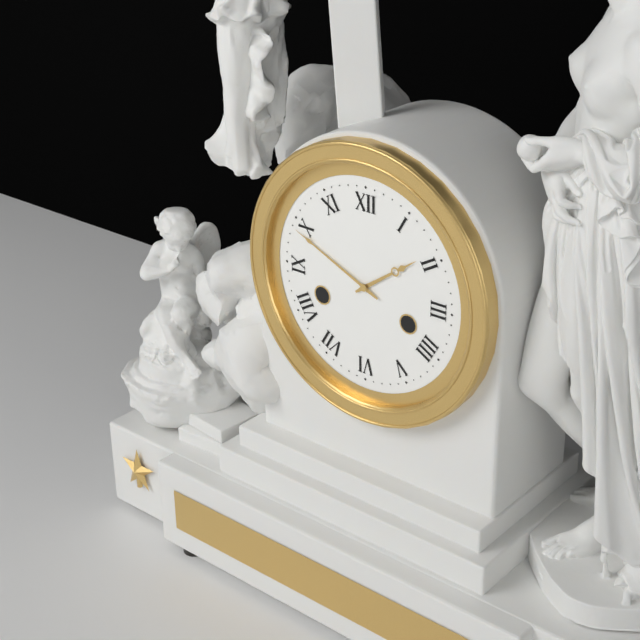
1:49
